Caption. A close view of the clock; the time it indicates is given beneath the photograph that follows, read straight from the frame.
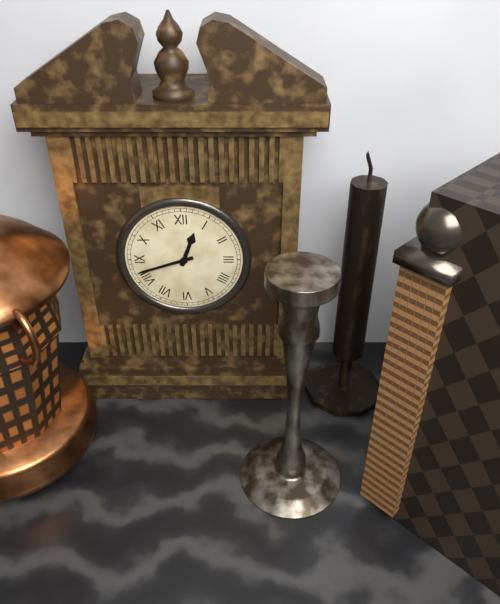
12:42
